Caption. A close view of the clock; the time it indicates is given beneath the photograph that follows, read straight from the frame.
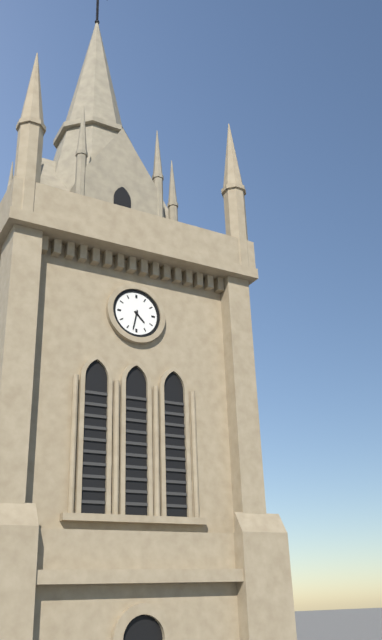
4:32
